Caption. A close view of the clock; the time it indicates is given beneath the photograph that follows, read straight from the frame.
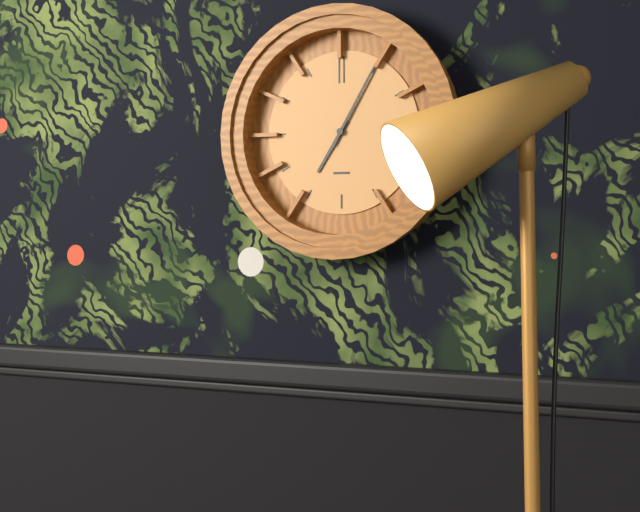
7:05
